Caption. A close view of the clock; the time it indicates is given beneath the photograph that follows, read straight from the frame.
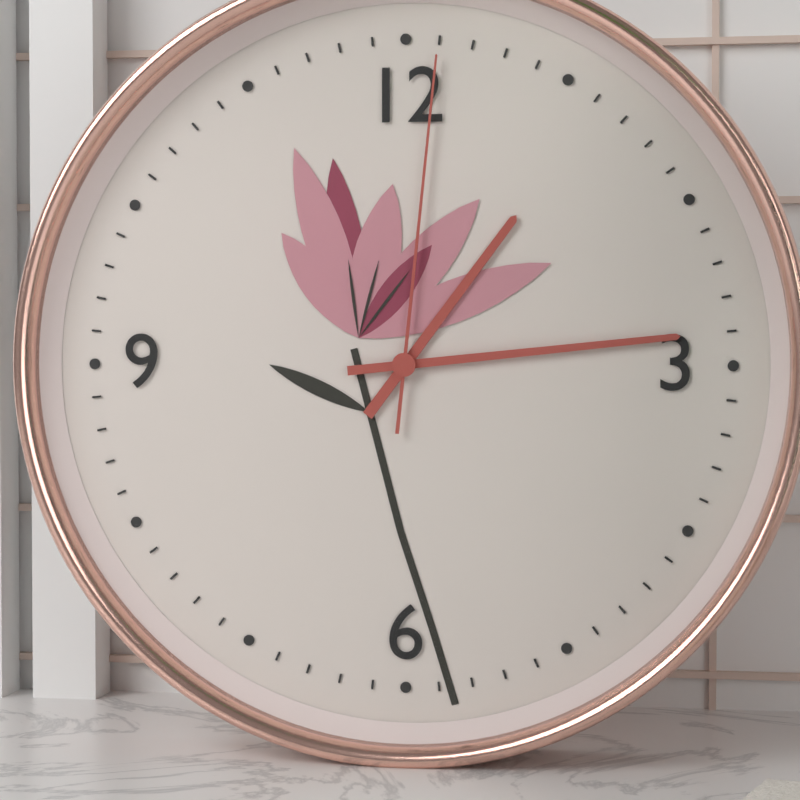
1:14:01
